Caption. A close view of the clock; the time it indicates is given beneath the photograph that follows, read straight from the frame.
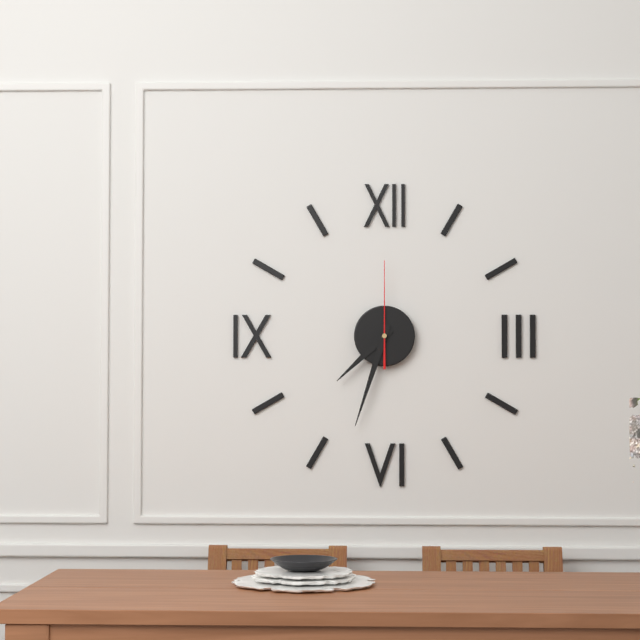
7:33:00
